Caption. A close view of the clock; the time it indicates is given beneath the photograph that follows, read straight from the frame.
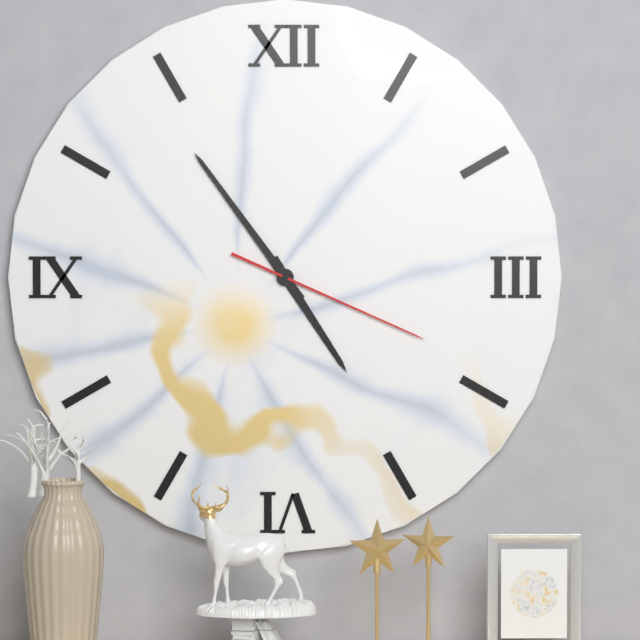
4:54:19
